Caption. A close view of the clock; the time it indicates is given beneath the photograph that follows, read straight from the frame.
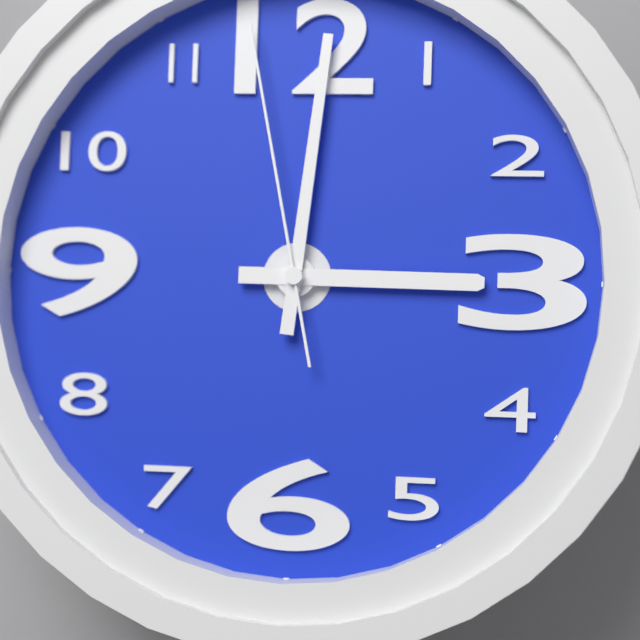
3:01:58
